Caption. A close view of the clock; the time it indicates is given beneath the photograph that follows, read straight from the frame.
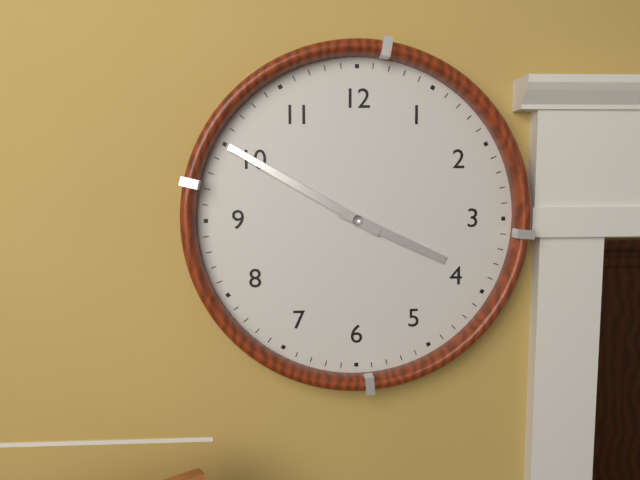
3:50
